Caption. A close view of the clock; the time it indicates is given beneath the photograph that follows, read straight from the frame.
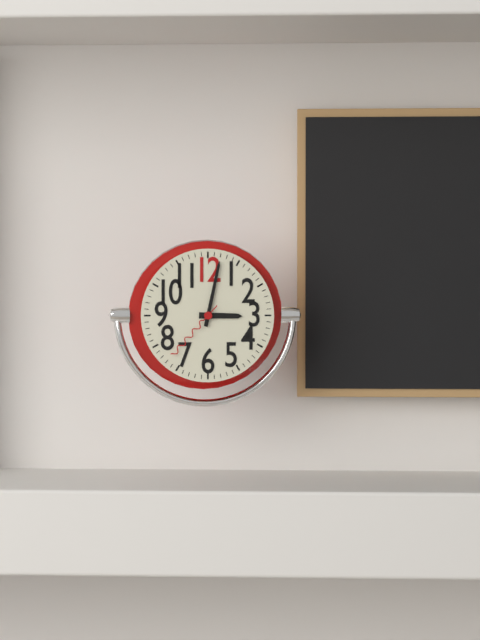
3:02:37
